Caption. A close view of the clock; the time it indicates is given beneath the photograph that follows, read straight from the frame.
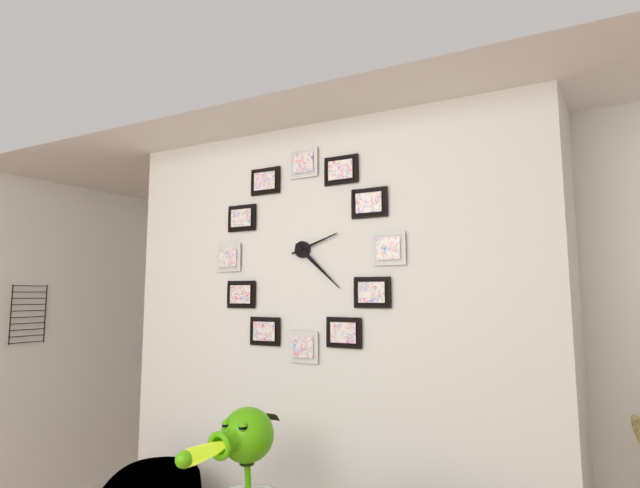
2:22
